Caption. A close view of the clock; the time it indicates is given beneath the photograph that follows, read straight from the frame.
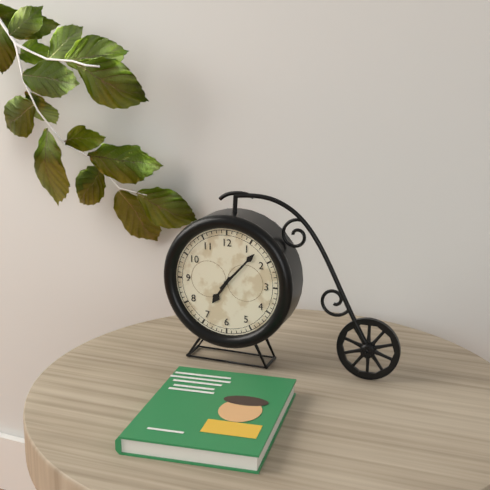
7:07
